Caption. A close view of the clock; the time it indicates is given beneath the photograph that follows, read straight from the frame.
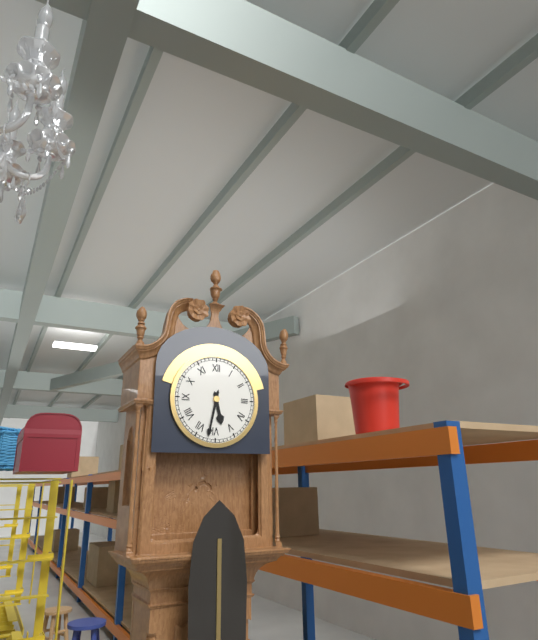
5:32
